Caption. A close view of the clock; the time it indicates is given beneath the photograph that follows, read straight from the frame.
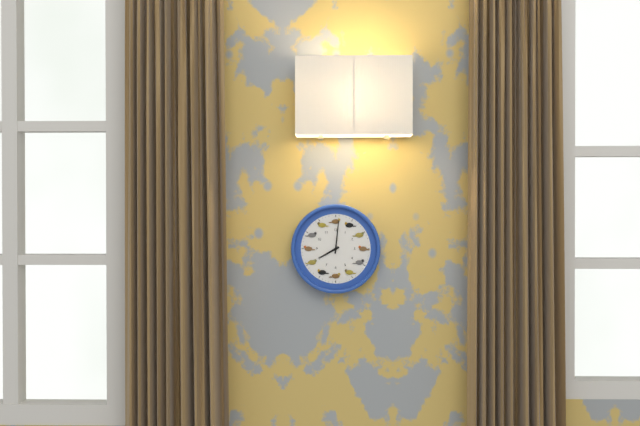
8:01
